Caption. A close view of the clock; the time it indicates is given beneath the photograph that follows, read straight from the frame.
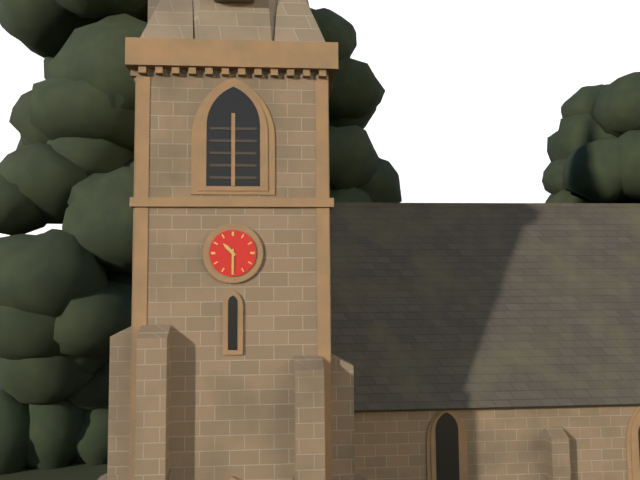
10:30
